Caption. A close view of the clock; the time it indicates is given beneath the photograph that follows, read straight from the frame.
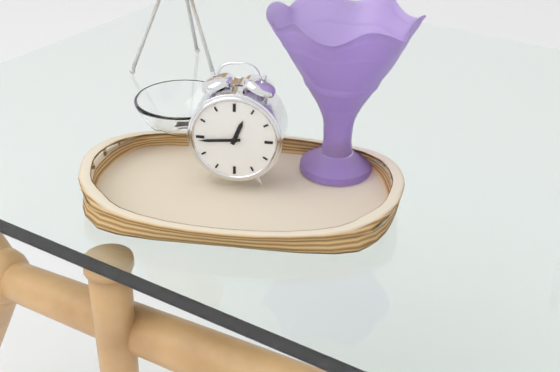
12:44
